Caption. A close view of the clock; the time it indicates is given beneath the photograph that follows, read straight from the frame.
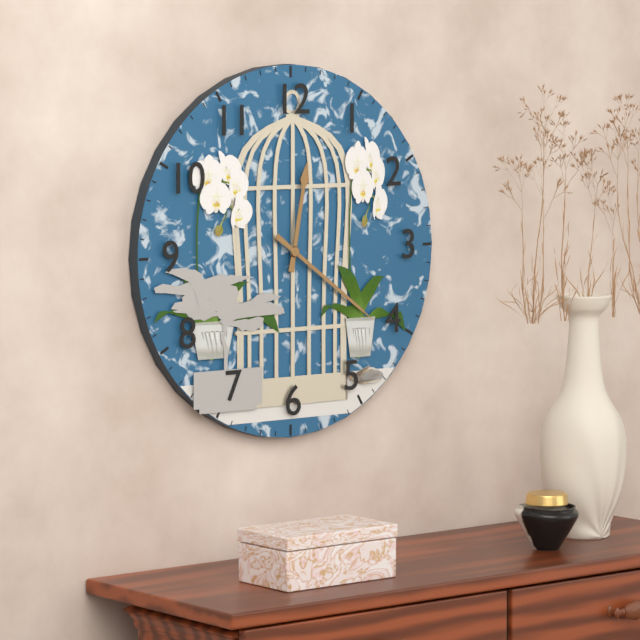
12:21
